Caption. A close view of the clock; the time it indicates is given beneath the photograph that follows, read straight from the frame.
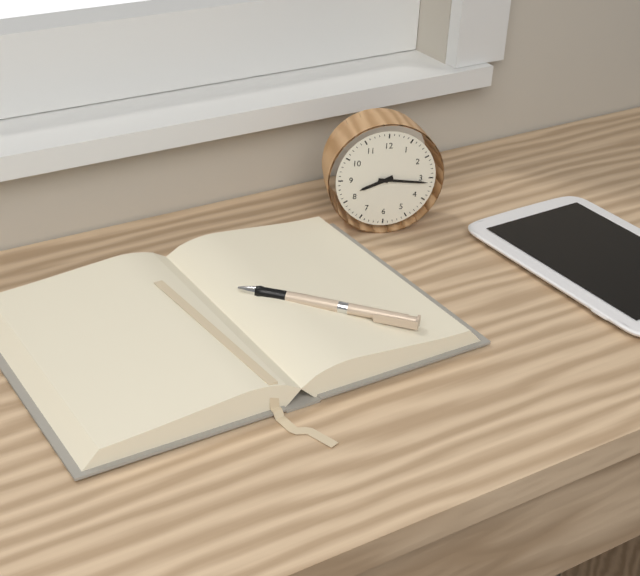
8:16
